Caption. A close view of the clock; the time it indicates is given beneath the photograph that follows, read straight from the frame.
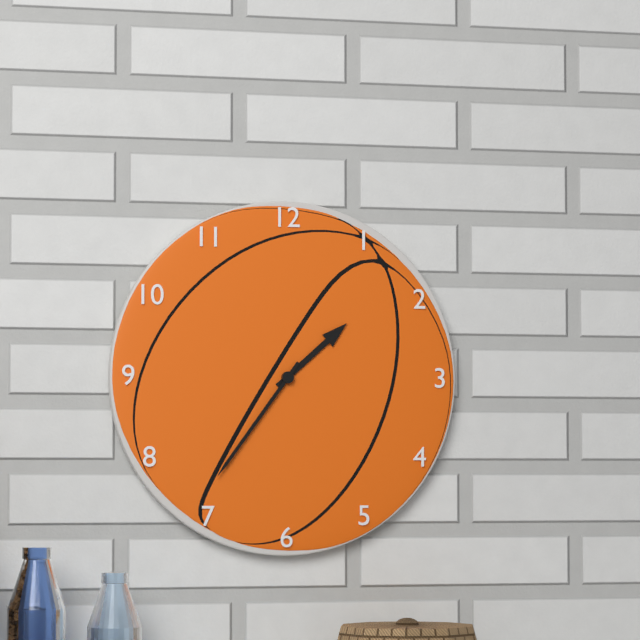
1:36
